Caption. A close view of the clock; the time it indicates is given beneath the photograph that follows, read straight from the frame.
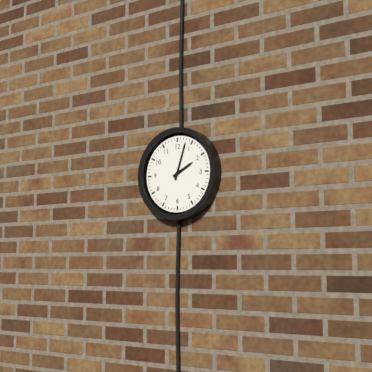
2:03
